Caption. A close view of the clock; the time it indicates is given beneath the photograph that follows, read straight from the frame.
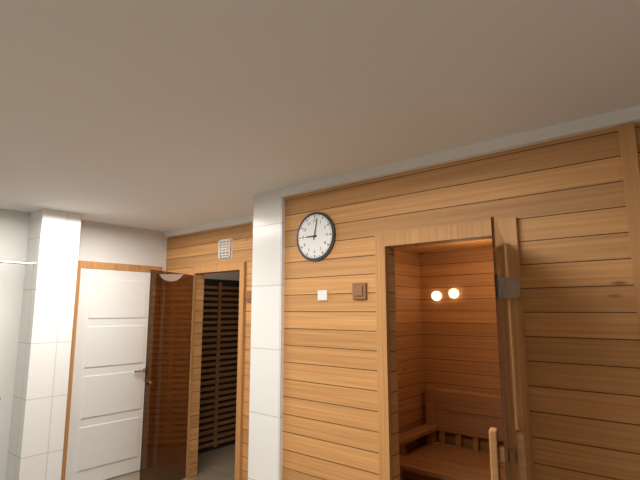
9:02
